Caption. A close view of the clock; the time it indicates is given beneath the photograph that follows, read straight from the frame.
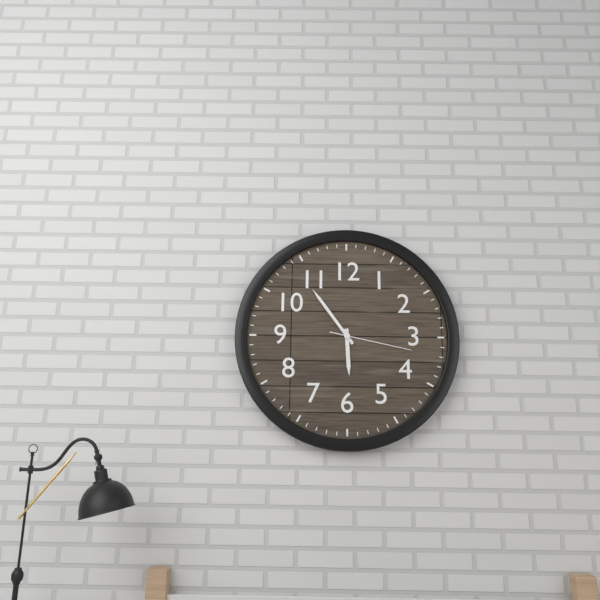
5:54:17
